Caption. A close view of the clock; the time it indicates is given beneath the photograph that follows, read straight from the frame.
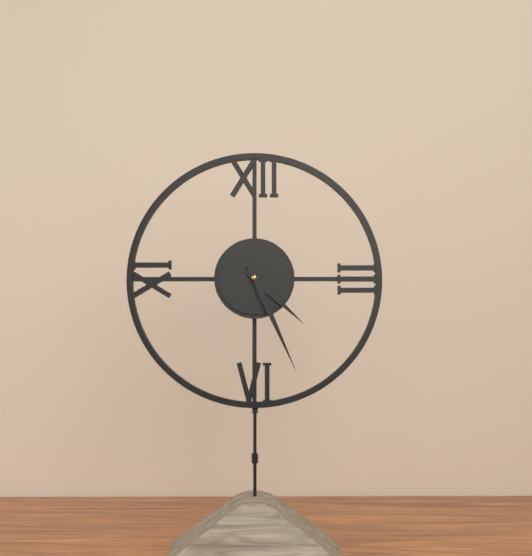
4:26
